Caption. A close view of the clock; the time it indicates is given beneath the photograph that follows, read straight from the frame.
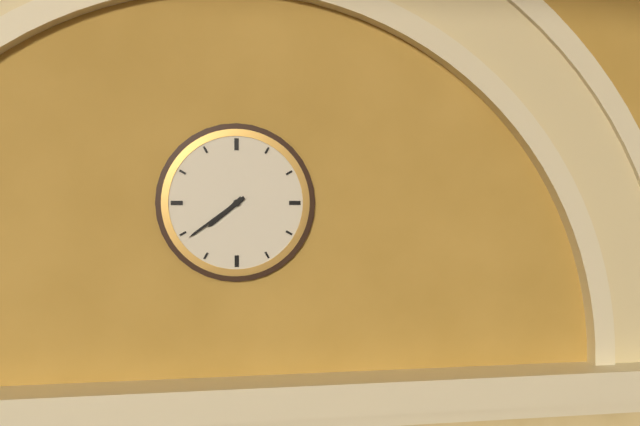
7:39
